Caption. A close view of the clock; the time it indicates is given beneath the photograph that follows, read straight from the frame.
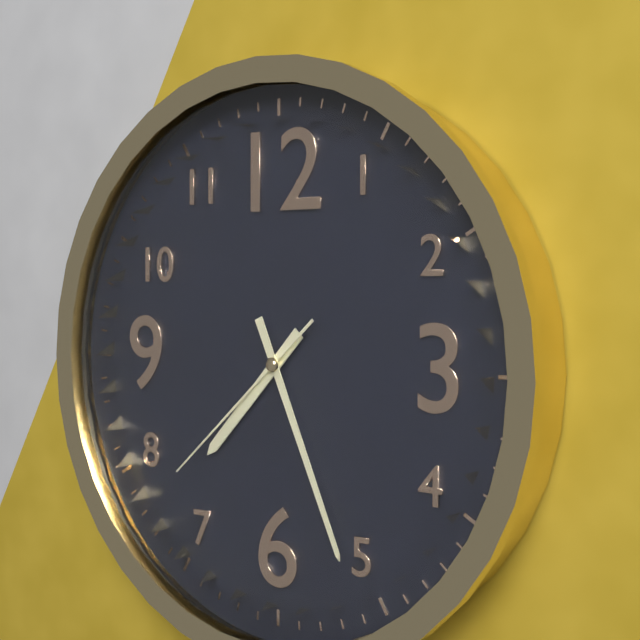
7:26:38
